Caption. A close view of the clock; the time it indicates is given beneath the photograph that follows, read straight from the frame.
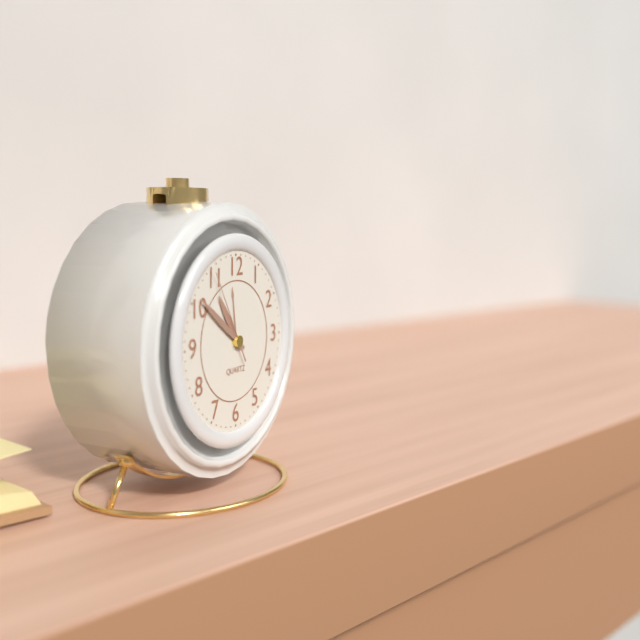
10:51:55
